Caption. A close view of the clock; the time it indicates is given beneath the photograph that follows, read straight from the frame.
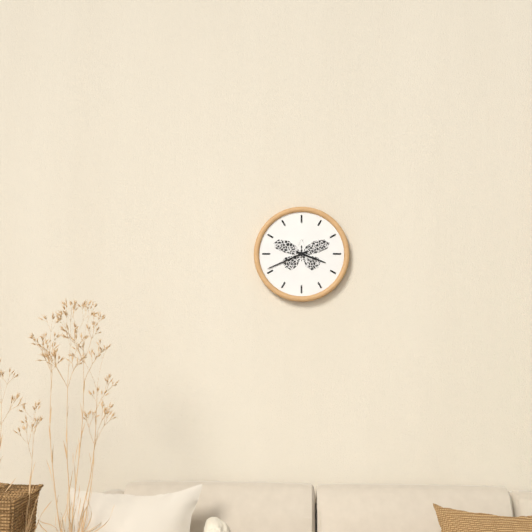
3:41
